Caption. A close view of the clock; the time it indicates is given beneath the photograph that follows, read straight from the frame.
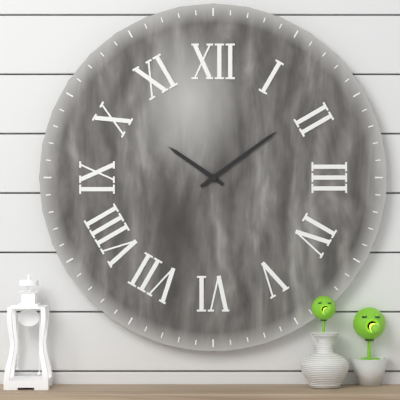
10:09
